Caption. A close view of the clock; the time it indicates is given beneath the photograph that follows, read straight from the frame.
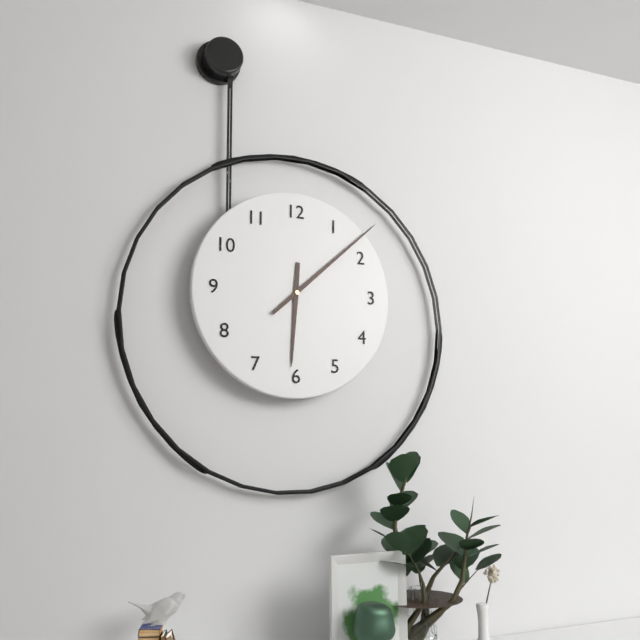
6:08
